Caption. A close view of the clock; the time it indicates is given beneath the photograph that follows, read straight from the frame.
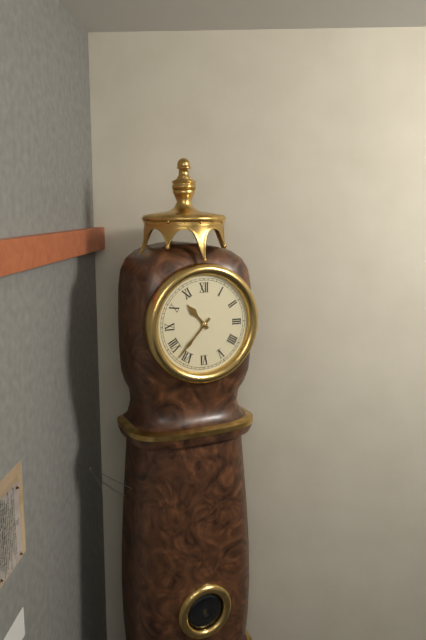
10:37
